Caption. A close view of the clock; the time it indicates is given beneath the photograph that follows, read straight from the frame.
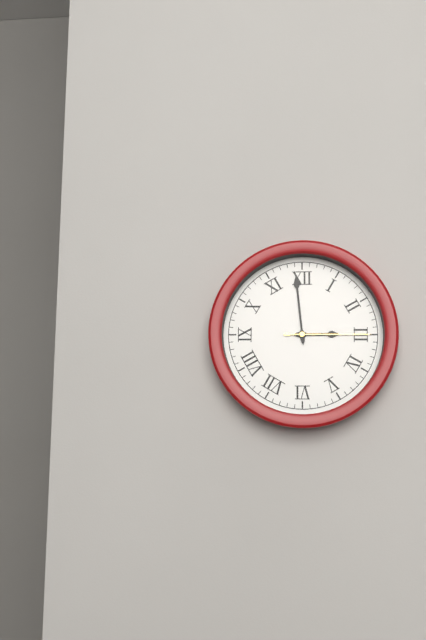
2:59:15
